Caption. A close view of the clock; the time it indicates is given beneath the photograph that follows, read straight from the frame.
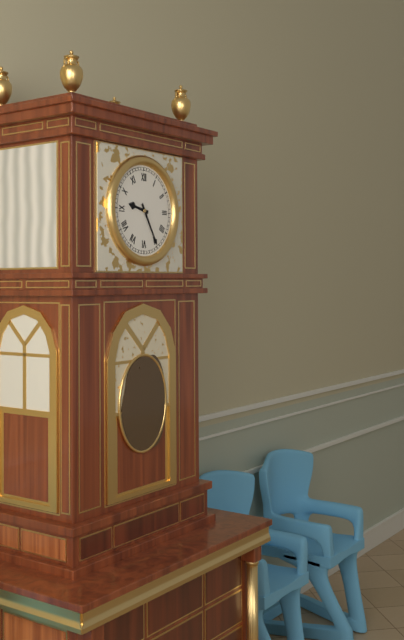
9:25
